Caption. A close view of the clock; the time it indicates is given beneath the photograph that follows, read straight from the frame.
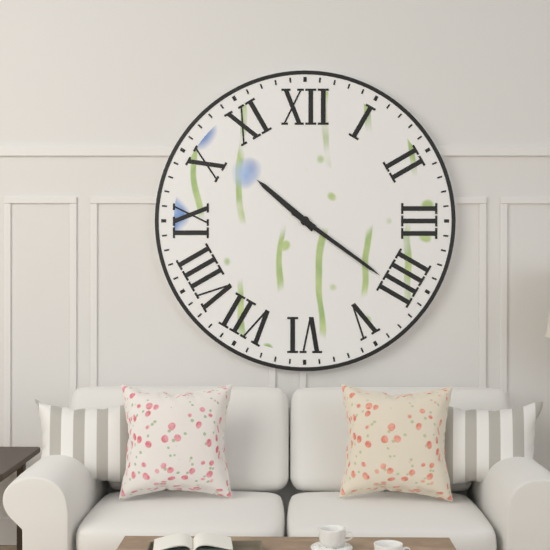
10:21
